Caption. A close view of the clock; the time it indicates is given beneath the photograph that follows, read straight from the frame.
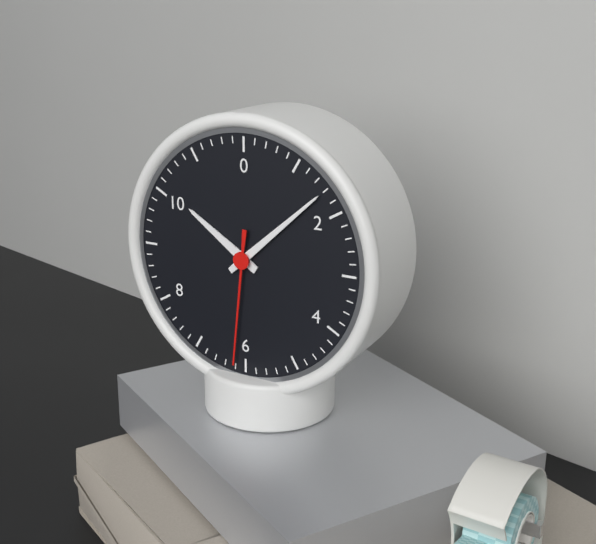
10:08:31
